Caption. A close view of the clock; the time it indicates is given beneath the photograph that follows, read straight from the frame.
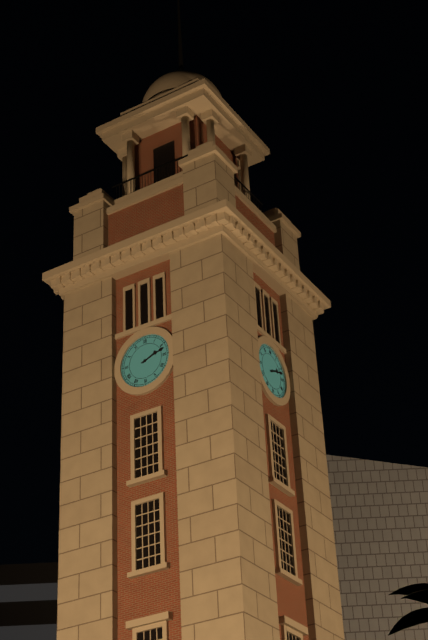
2:12
